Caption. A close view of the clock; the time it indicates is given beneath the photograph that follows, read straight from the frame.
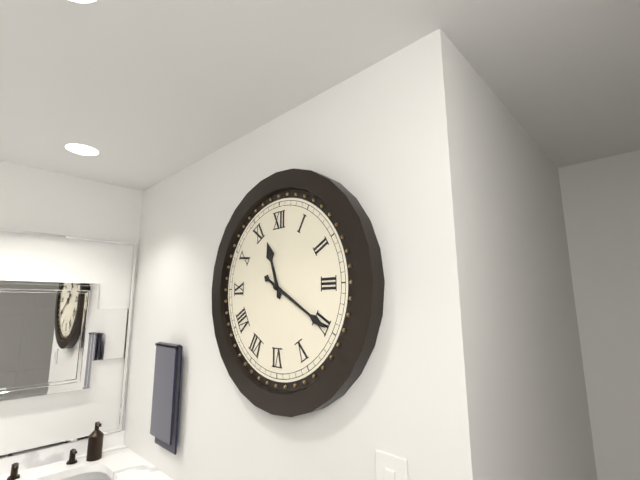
11:20
